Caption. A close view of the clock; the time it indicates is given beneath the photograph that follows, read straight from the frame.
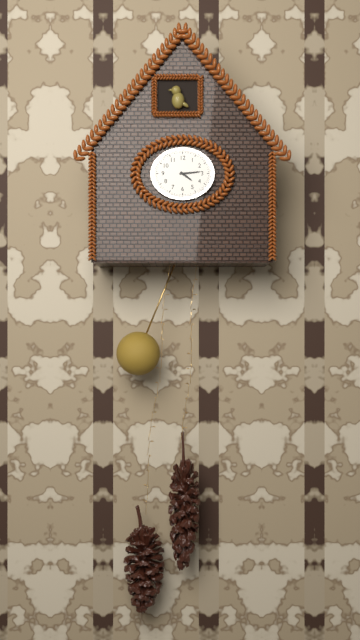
4:14
